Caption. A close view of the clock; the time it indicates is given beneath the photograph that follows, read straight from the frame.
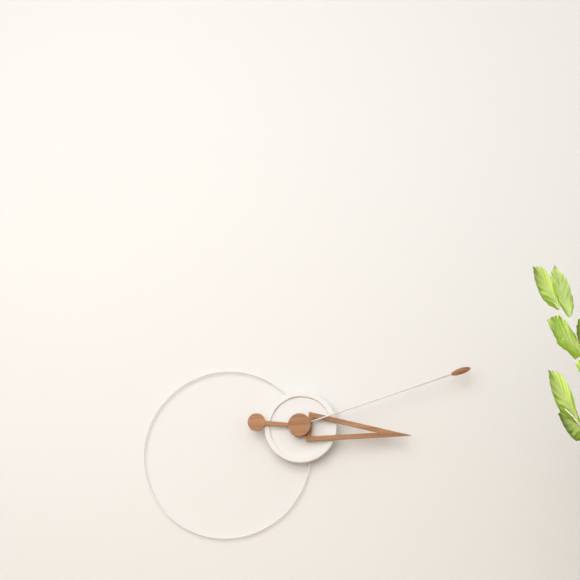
3:12
